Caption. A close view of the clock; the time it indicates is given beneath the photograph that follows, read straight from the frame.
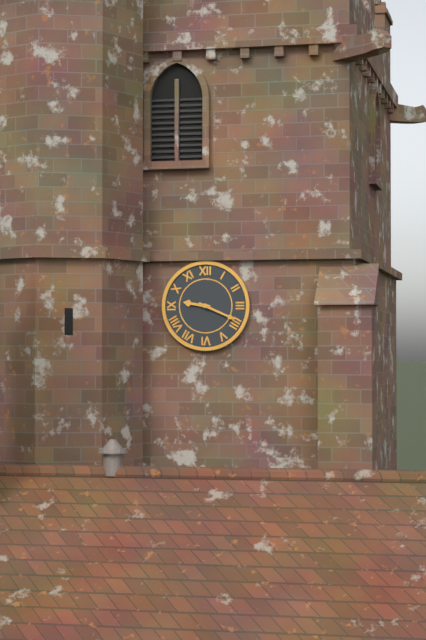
9:19
